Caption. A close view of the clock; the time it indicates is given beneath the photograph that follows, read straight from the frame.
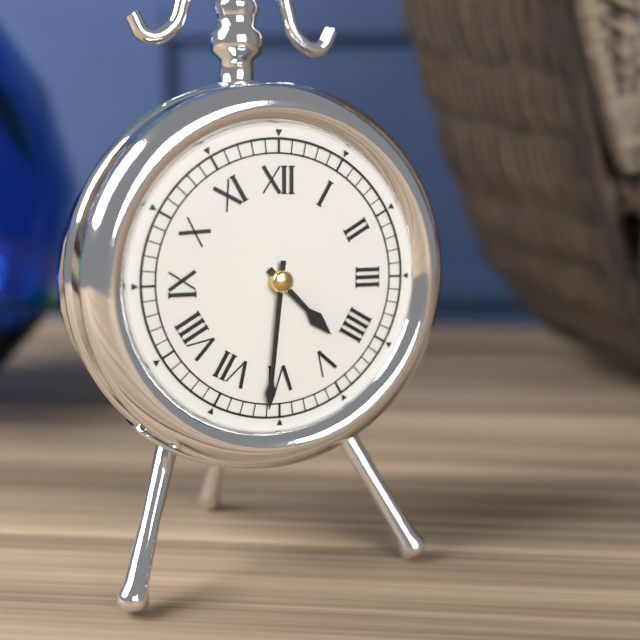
4:31
